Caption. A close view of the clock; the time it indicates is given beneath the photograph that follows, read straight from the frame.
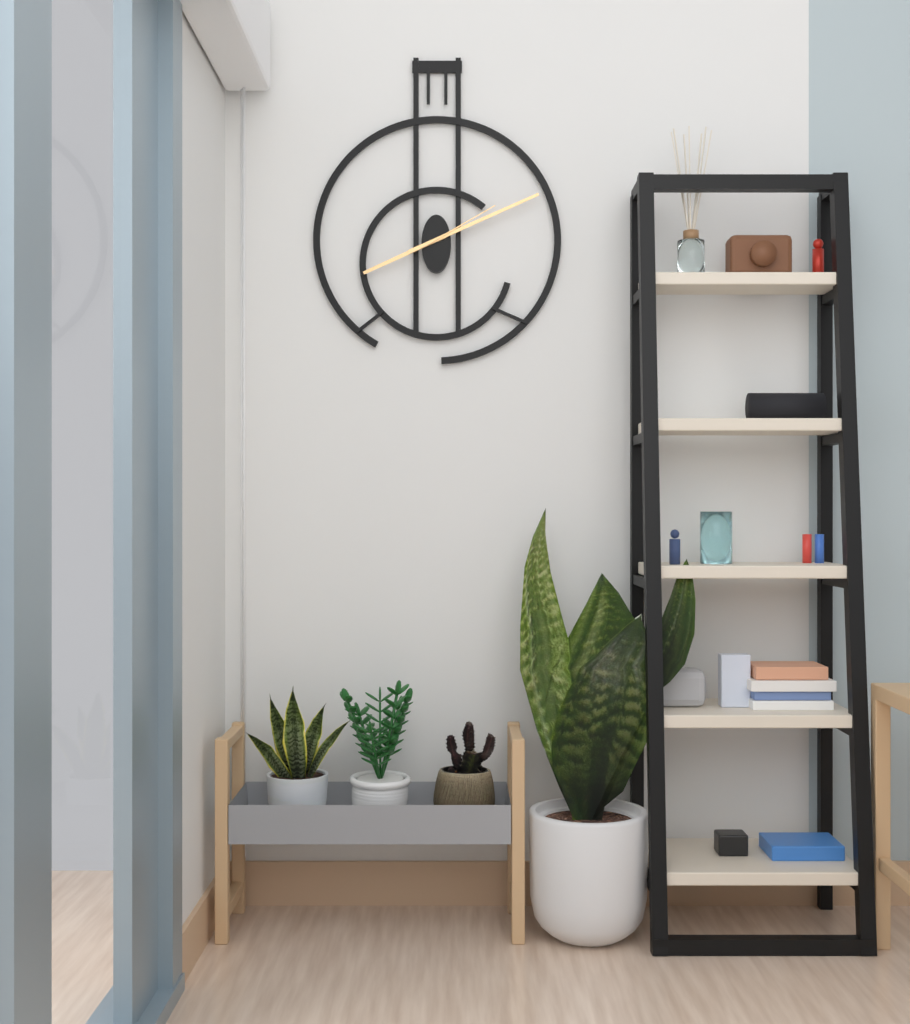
8:11:10
